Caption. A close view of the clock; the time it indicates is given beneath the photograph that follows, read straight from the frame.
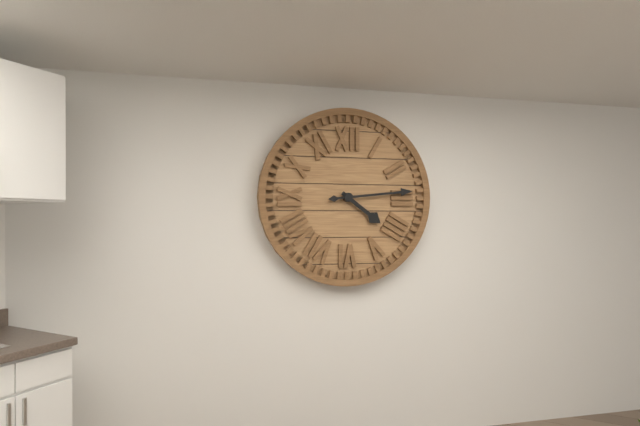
4:14
